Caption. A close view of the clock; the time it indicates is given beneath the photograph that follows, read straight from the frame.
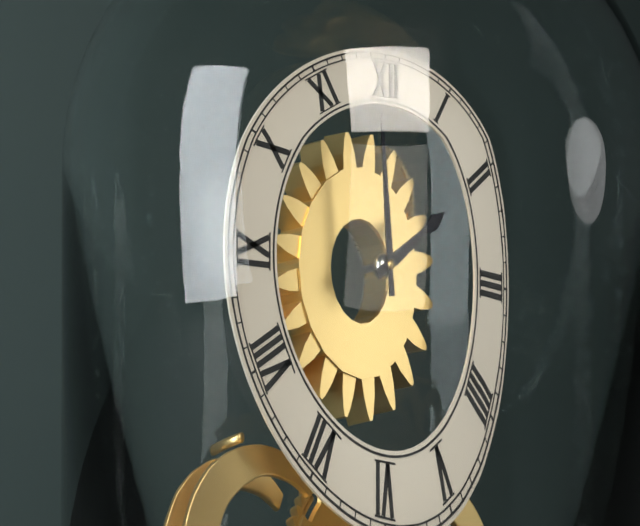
1:59
